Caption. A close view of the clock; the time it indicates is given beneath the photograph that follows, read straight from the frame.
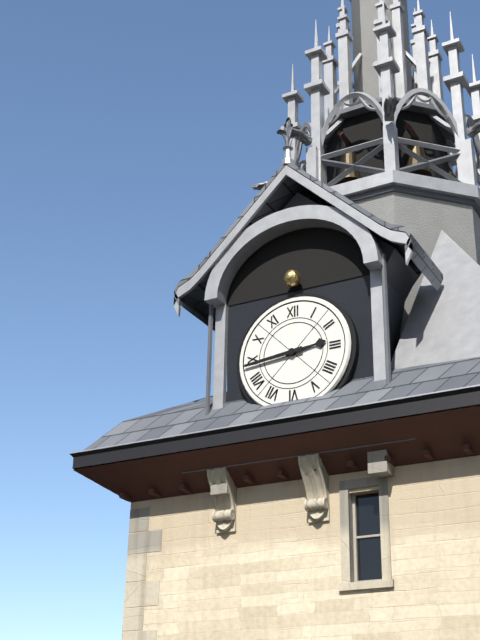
2:44
